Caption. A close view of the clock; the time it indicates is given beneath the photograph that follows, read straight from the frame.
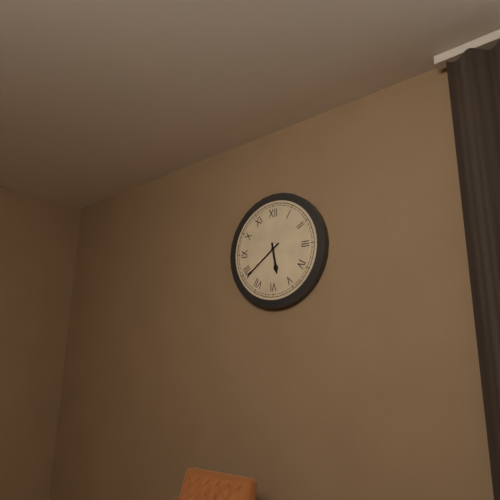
5:39
